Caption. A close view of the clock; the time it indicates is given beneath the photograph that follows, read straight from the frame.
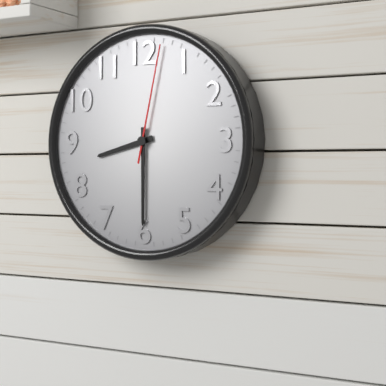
8:30:02
